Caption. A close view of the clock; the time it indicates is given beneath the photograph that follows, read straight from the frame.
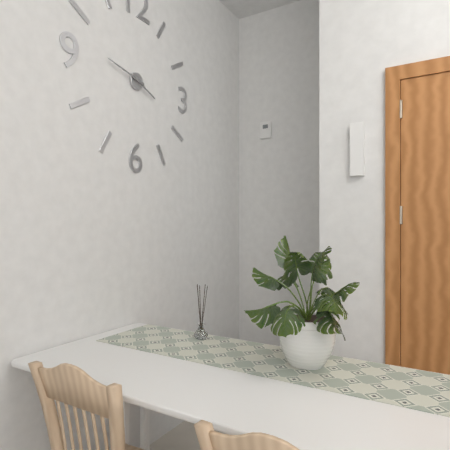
3:47
